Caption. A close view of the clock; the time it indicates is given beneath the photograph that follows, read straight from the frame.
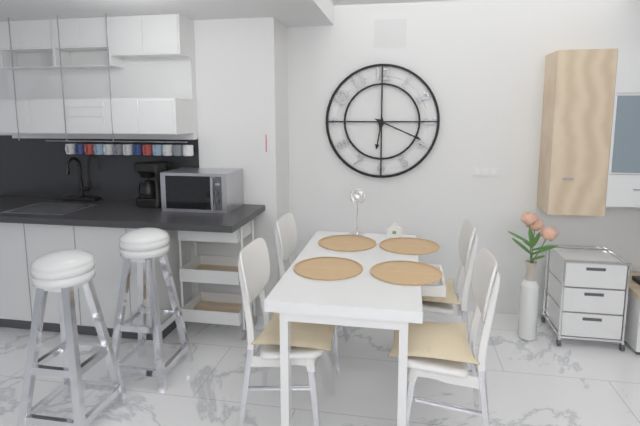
6:19
